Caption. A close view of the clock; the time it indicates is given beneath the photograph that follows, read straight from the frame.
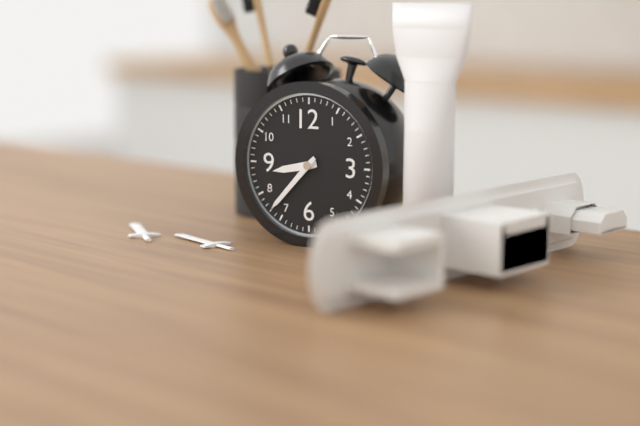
8:37
